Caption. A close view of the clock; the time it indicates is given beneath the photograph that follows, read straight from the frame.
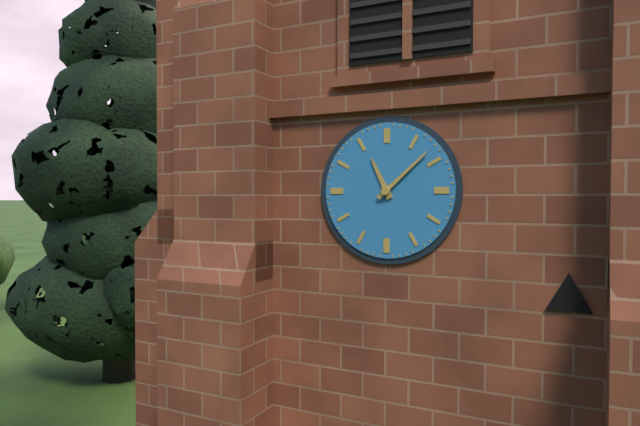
11:08
